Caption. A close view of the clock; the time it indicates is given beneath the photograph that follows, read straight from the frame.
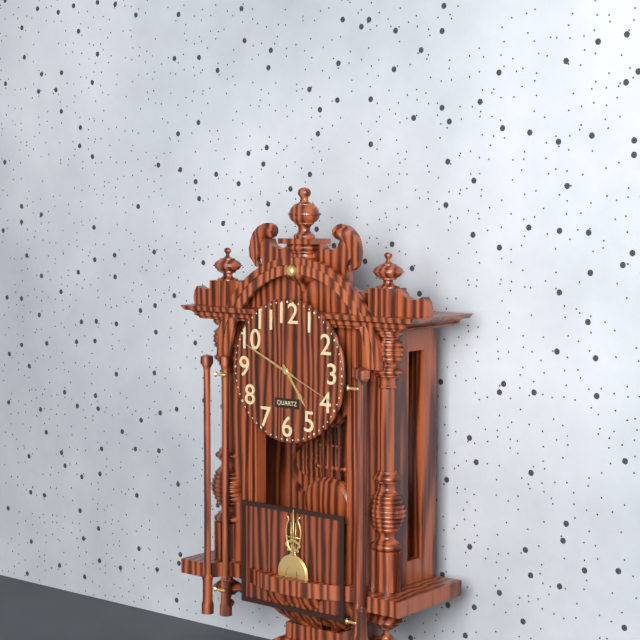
4:49:19
